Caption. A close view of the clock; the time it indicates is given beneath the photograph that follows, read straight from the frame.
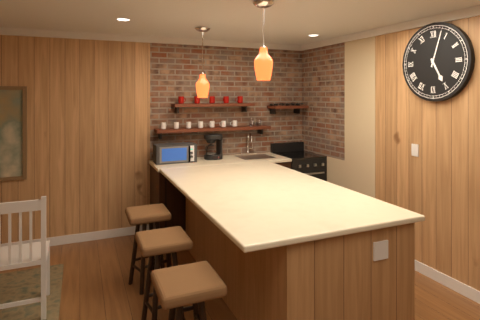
5:03
